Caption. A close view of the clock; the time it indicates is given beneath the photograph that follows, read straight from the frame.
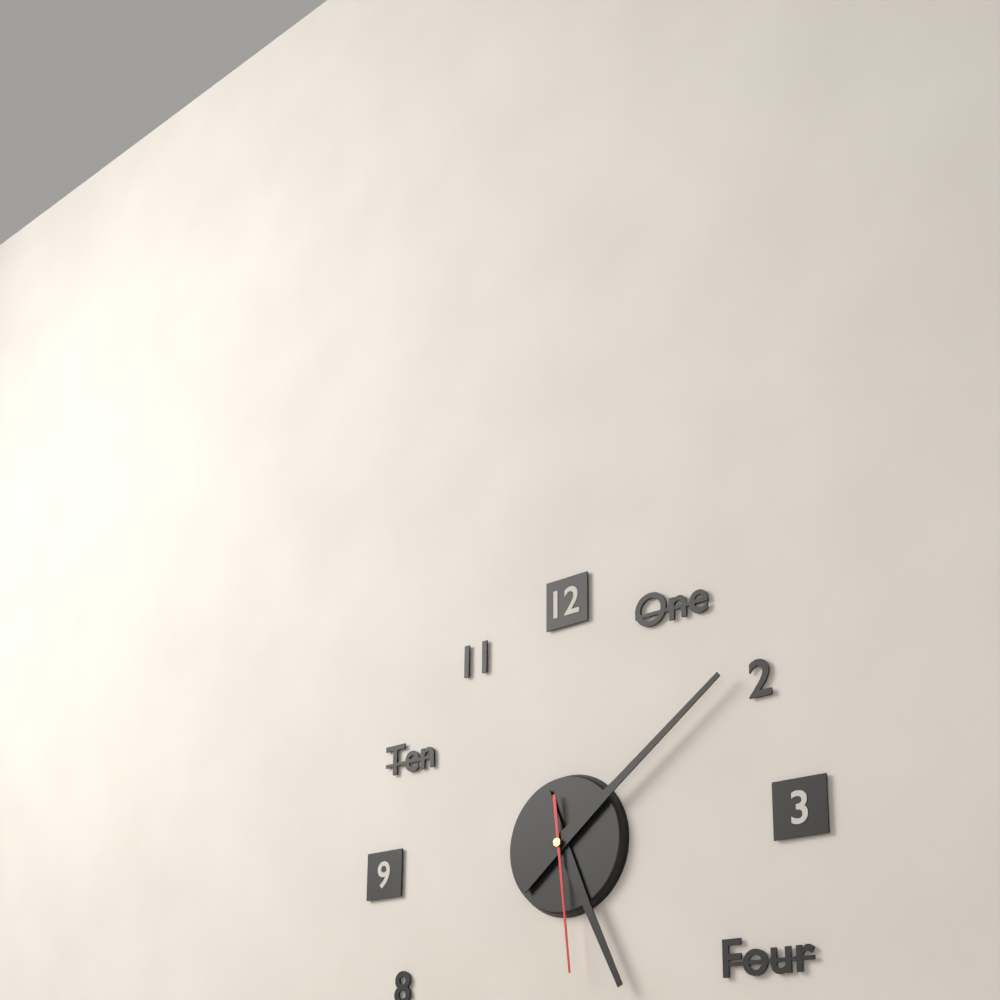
5:09:29
